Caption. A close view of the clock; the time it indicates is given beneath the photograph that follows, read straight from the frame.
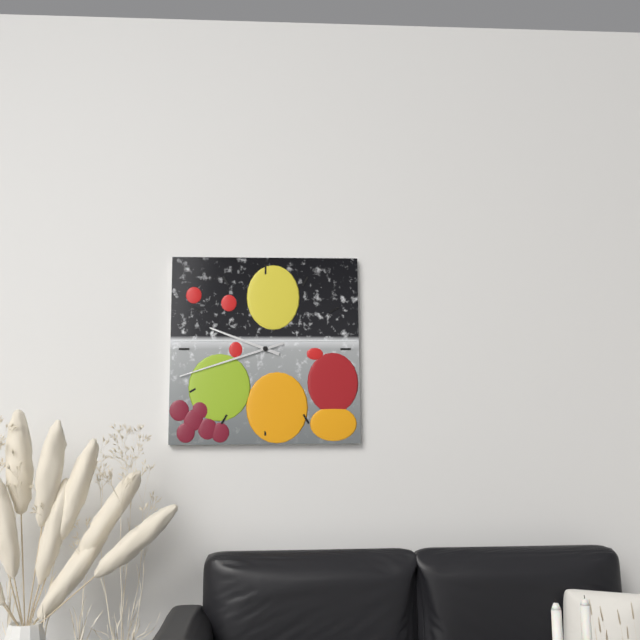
9:42
